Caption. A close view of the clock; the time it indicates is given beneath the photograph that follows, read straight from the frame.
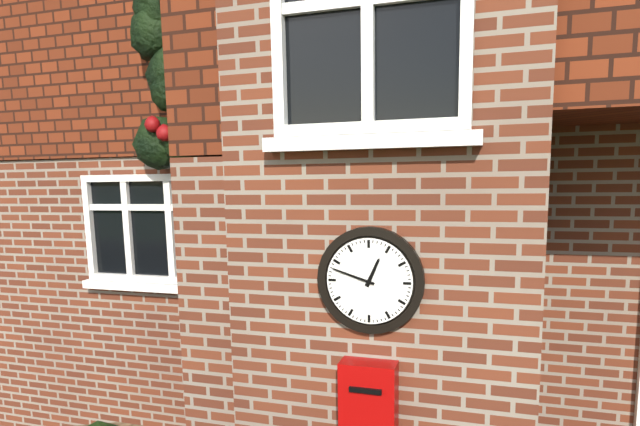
12:48
